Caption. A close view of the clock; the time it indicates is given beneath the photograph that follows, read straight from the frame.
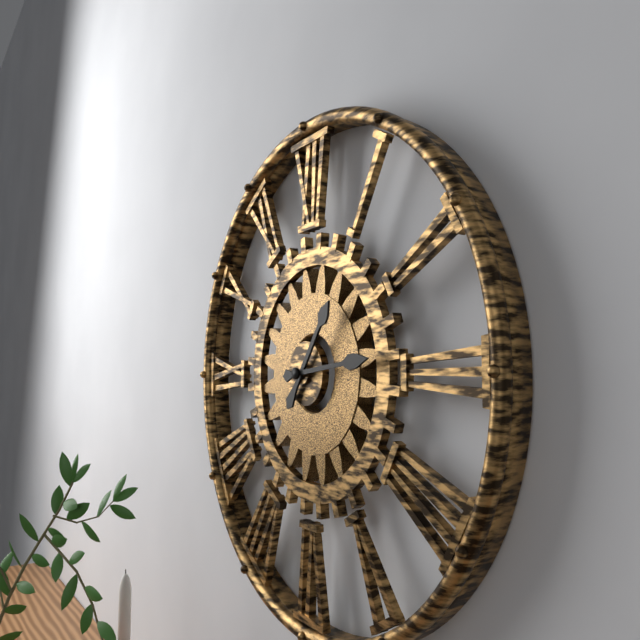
1:14
